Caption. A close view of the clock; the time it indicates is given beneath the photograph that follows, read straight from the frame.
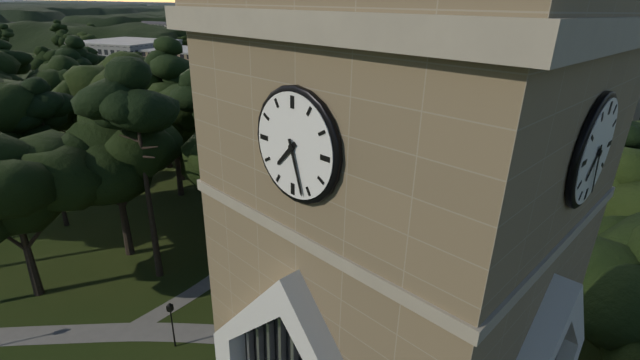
7:27
